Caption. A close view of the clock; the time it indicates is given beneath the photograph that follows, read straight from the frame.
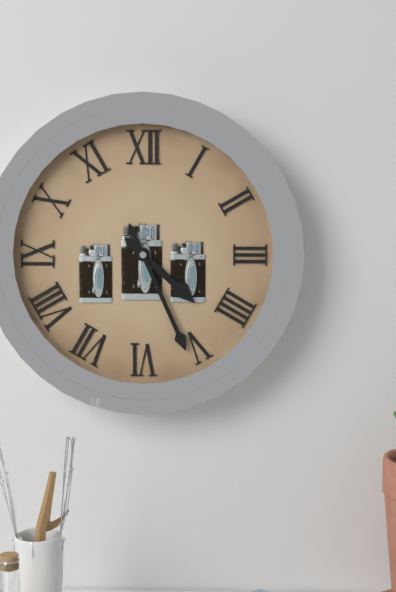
4:26
